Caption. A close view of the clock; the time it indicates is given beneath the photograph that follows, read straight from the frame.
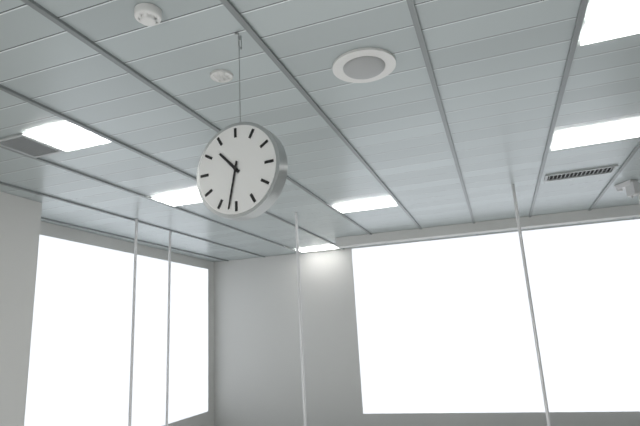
10:32
